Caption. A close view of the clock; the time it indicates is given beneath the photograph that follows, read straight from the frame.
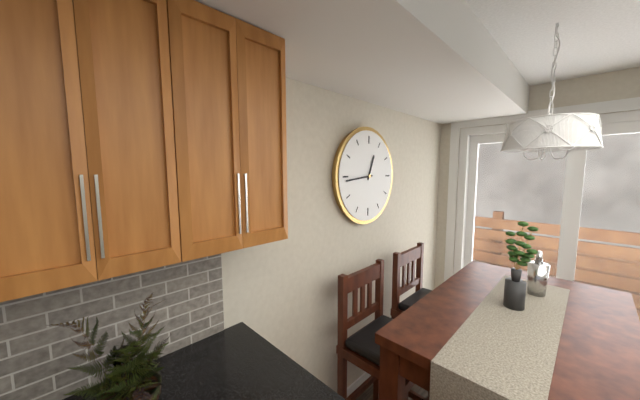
12:44
